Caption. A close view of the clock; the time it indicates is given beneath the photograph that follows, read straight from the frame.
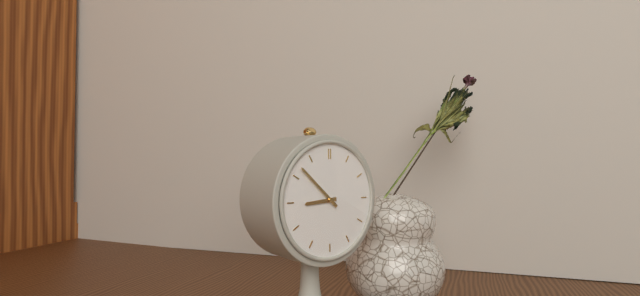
8:52
